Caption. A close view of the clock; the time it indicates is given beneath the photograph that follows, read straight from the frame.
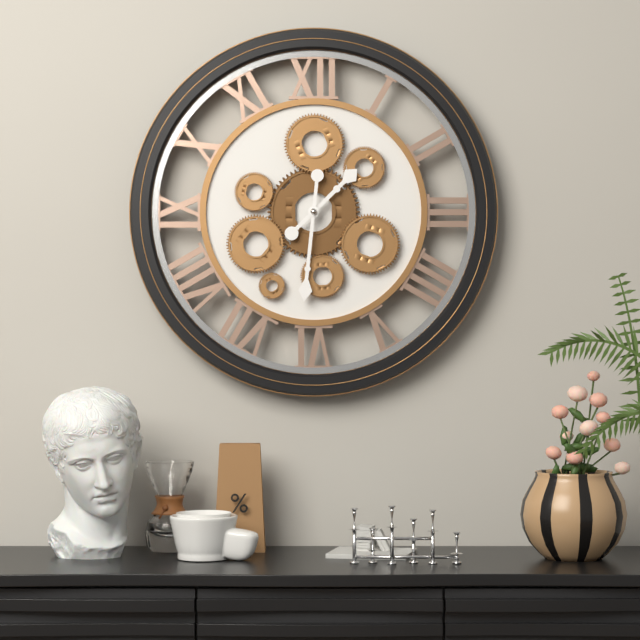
1:31
